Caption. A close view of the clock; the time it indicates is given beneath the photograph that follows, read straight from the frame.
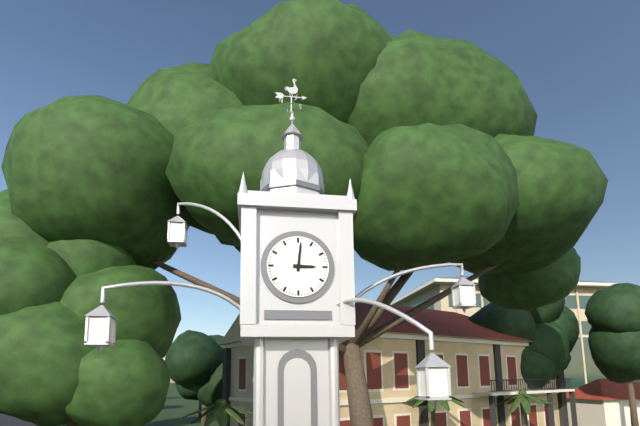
3:01
